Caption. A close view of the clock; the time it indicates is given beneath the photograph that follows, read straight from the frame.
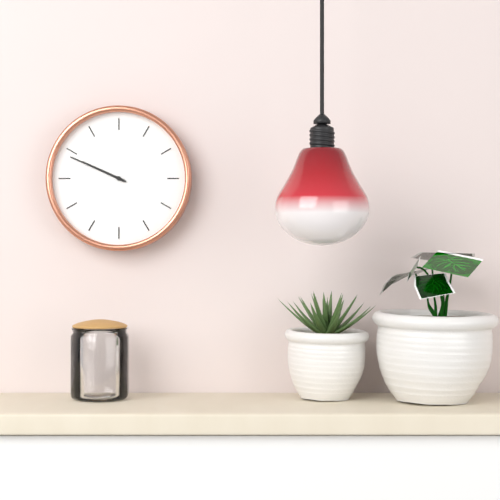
9:49
